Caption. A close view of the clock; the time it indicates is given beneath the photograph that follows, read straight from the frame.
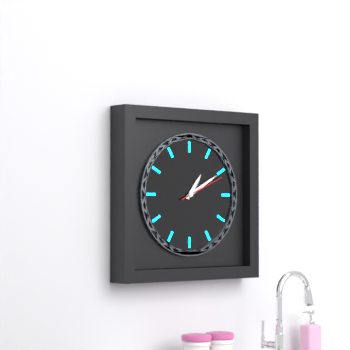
1:10
